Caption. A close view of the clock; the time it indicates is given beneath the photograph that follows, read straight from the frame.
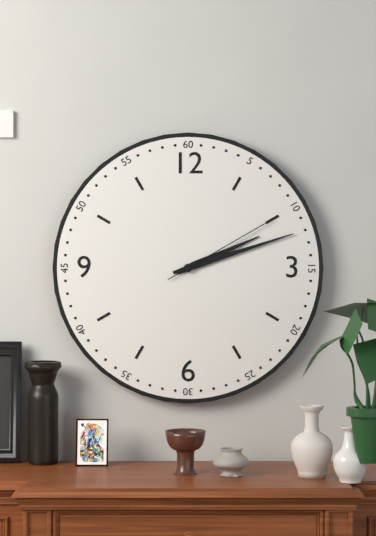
2:12:10
